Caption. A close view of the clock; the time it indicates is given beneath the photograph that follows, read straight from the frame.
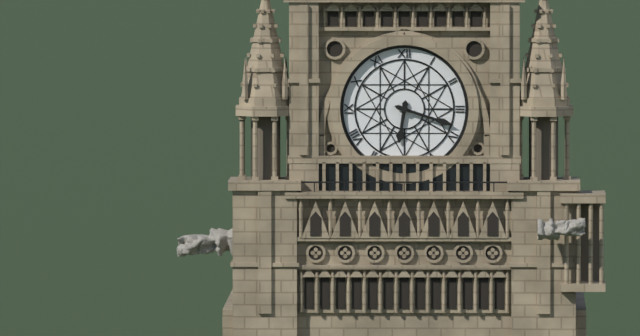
6:18
